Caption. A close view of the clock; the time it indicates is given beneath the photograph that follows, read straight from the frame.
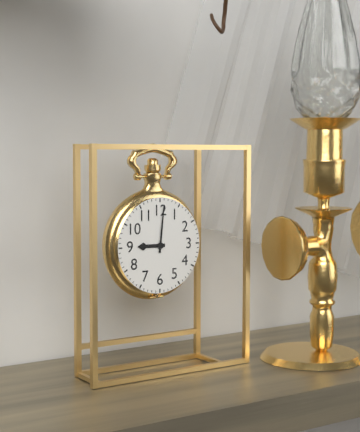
9:01
